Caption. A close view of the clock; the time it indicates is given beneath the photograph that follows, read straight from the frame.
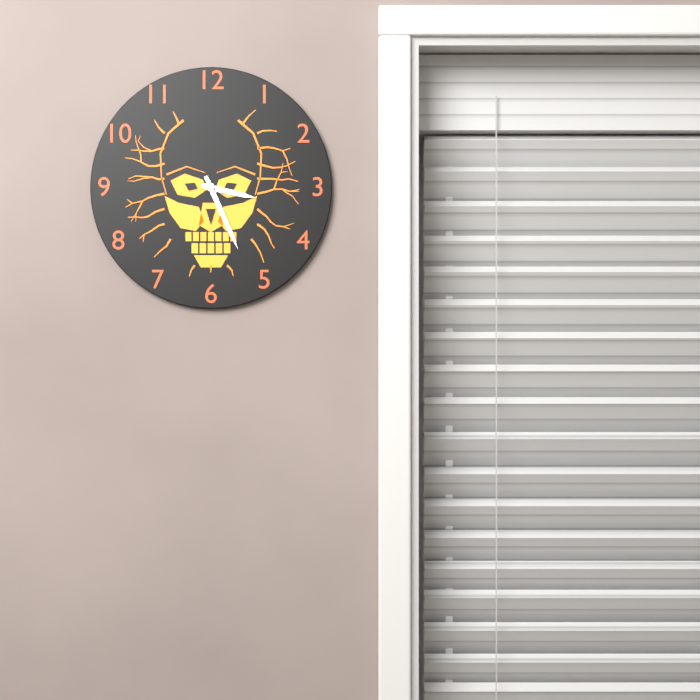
3:26
